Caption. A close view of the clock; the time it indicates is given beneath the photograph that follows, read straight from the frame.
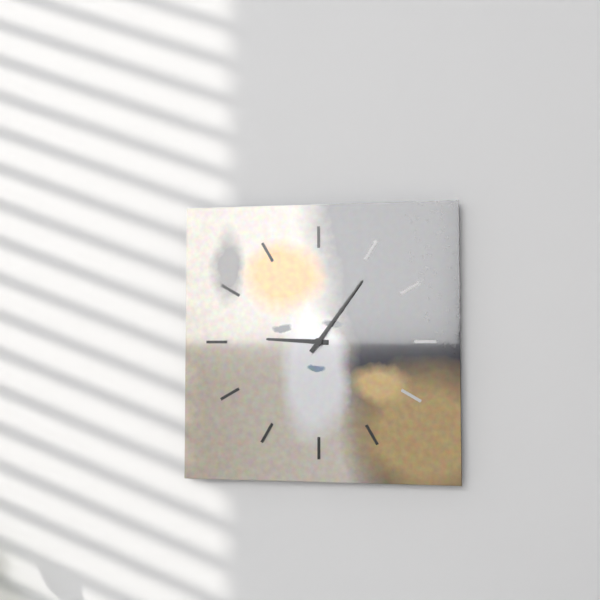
9:06
